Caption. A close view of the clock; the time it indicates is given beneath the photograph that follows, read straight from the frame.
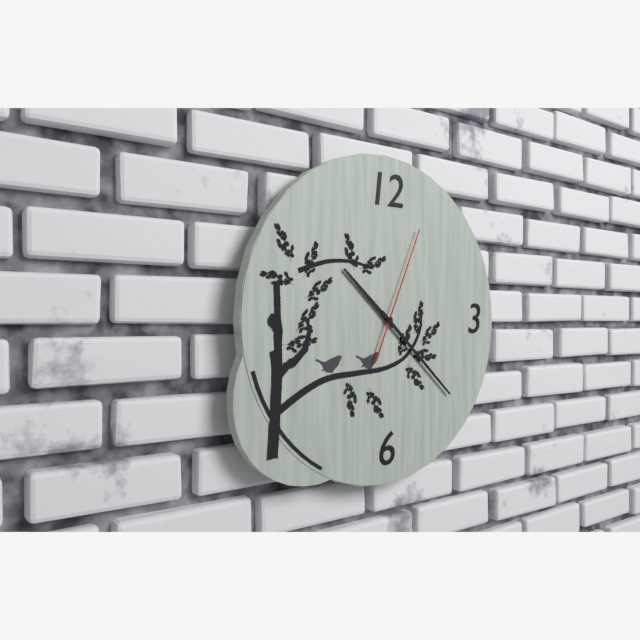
10:22:04
